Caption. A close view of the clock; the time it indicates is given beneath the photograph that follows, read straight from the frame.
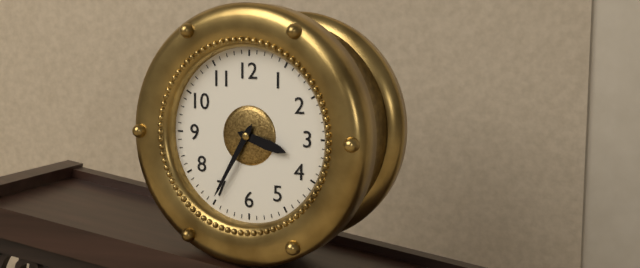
3:35
